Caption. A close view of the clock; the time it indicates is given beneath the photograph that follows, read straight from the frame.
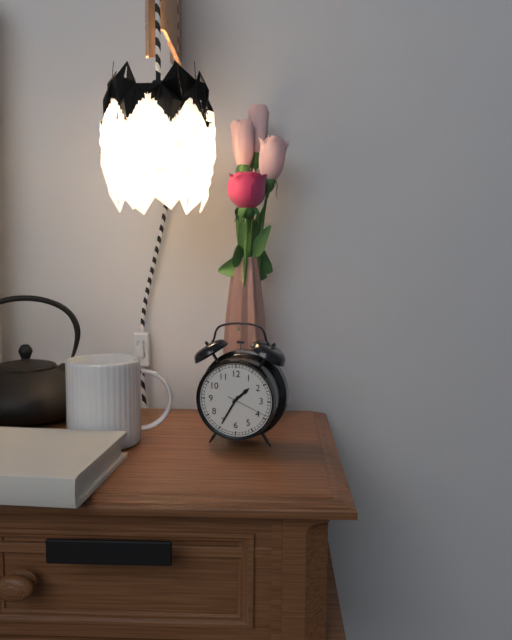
1:35
